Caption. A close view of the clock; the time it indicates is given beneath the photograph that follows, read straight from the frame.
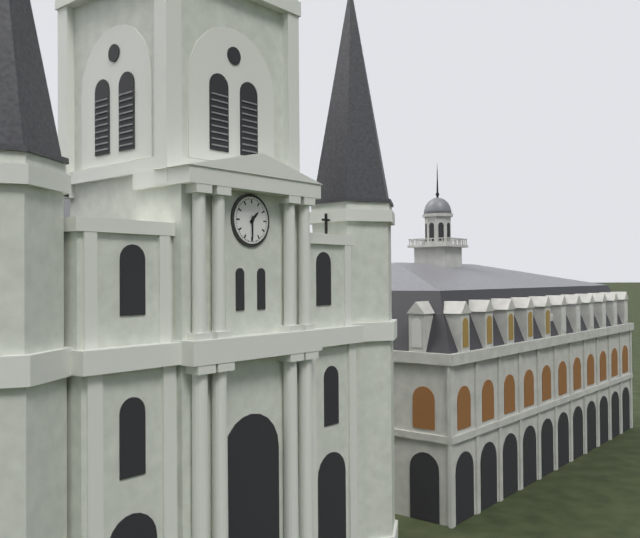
1:30
